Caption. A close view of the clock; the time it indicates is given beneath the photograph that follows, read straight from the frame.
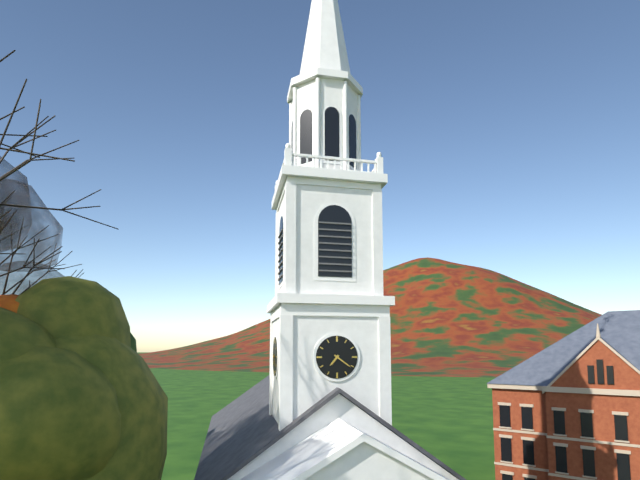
7:21
